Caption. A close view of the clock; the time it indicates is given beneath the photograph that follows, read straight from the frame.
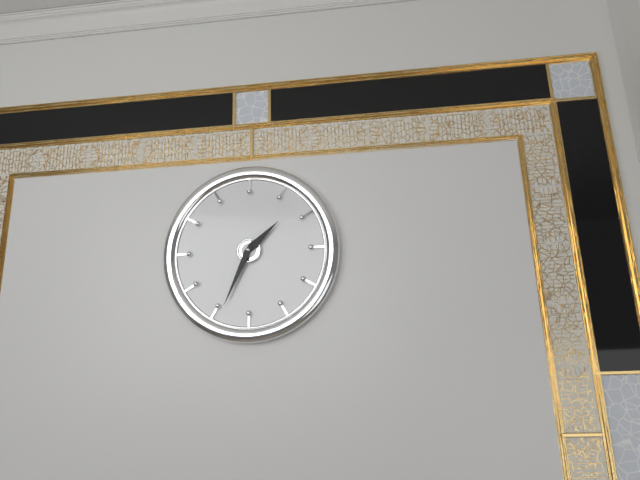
1:34
